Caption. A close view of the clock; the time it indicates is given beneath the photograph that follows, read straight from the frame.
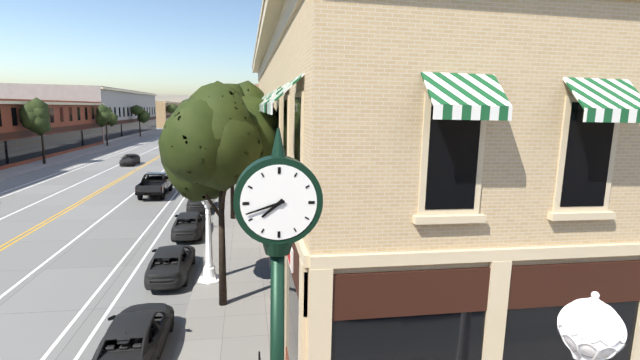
7:42
